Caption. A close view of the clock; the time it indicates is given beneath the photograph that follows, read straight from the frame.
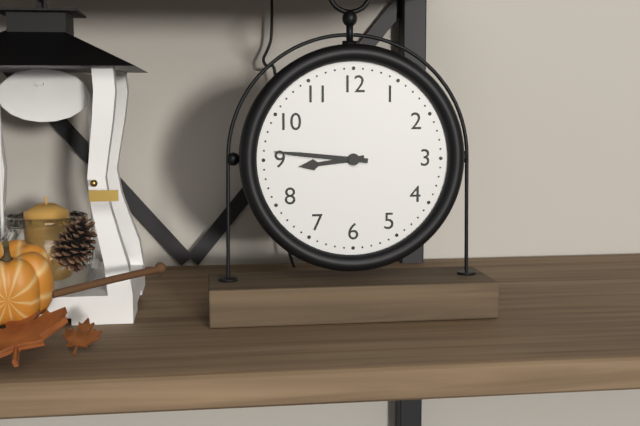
8:46
